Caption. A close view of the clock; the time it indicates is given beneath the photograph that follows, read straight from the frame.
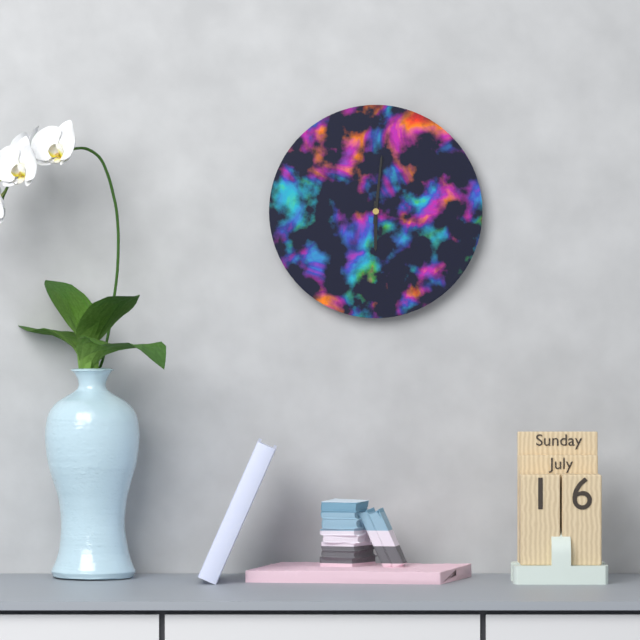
6:01
